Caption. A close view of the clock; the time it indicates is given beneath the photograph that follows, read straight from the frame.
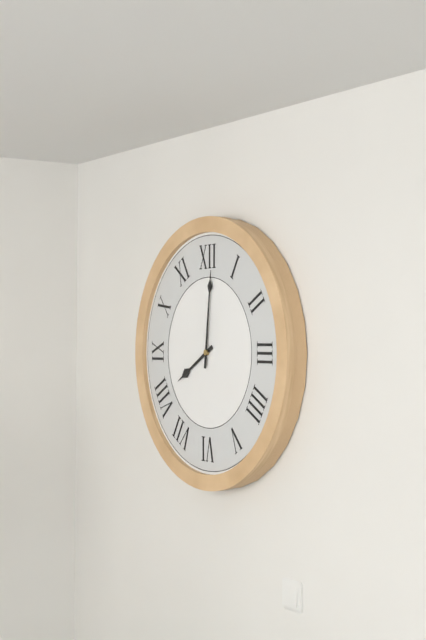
8:01
